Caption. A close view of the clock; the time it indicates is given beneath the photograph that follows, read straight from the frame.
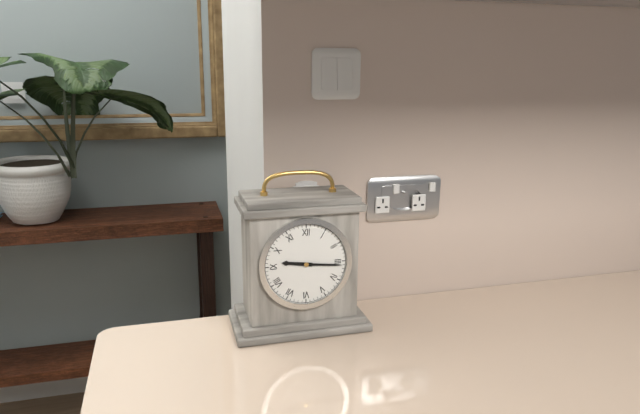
9:16
